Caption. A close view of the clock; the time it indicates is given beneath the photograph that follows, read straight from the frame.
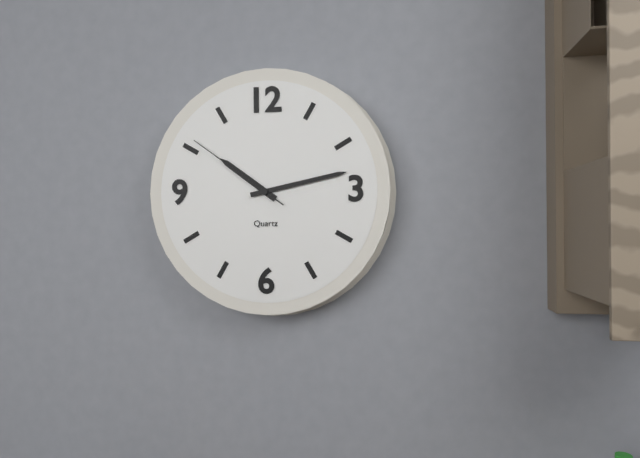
10:13:51
